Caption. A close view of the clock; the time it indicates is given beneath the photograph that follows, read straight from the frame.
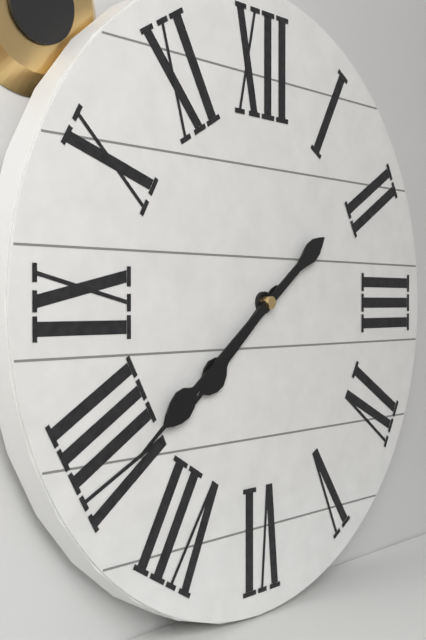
7:39
